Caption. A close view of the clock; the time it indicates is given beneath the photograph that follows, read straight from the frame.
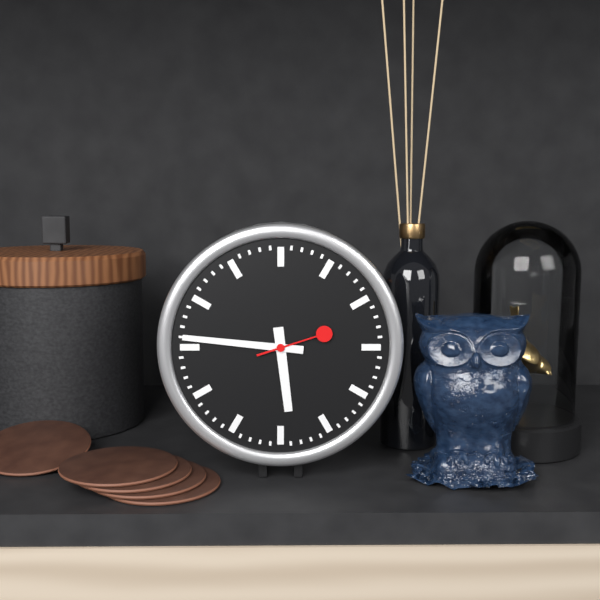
5:46:12
